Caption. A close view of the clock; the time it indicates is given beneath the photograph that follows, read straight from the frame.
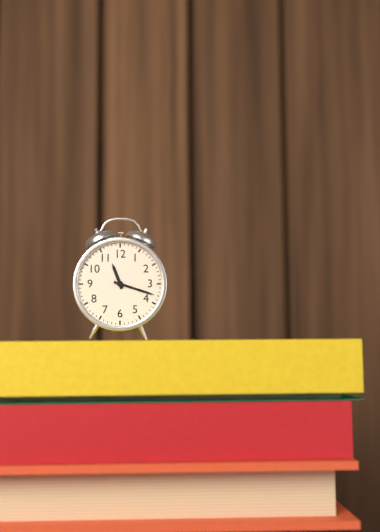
11:18
